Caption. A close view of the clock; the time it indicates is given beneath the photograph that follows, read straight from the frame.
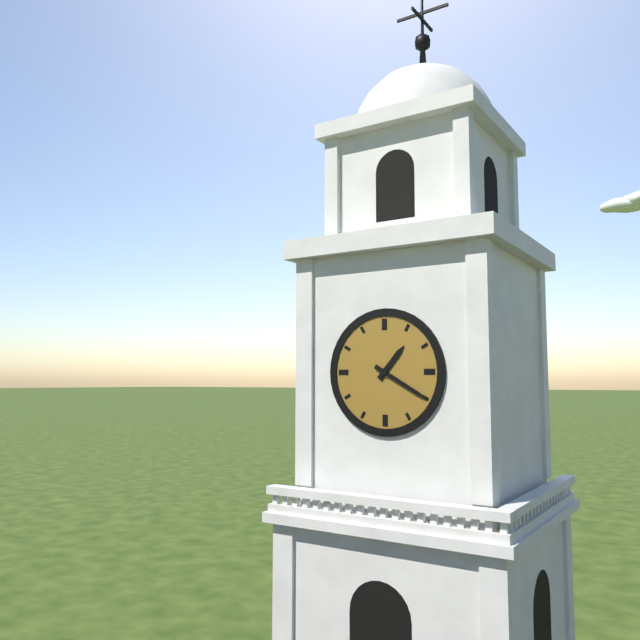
1:20
